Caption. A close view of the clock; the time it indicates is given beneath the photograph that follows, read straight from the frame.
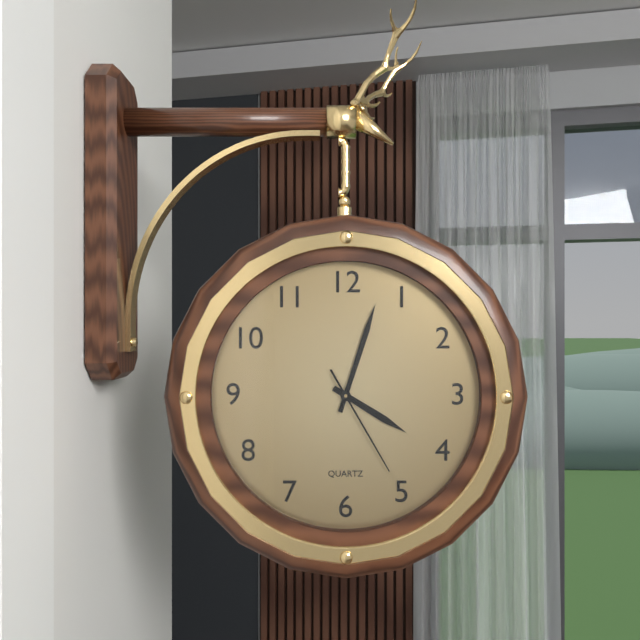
4:03:25
